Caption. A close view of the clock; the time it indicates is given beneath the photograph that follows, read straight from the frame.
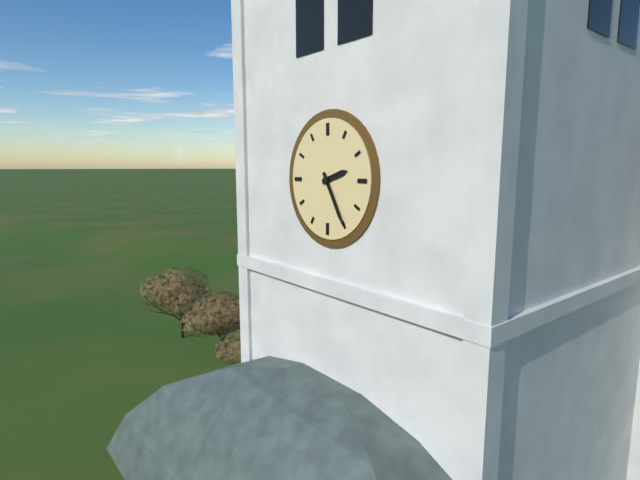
2:25
